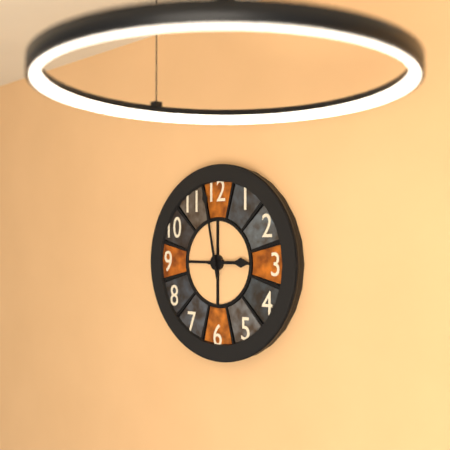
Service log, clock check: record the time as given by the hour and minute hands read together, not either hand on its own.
2:58
